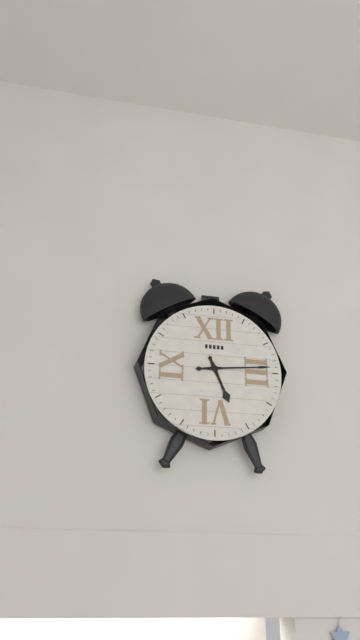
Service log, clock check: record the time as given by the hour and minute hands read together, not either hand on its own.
5:14
